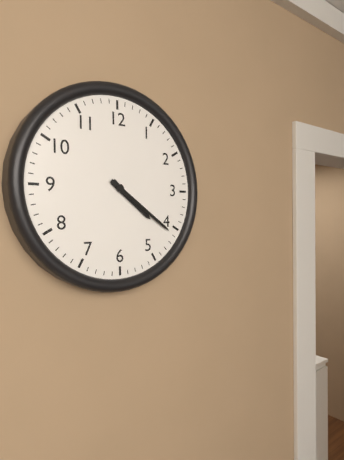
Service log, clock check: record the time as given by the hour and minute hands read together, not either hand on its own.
4:21
